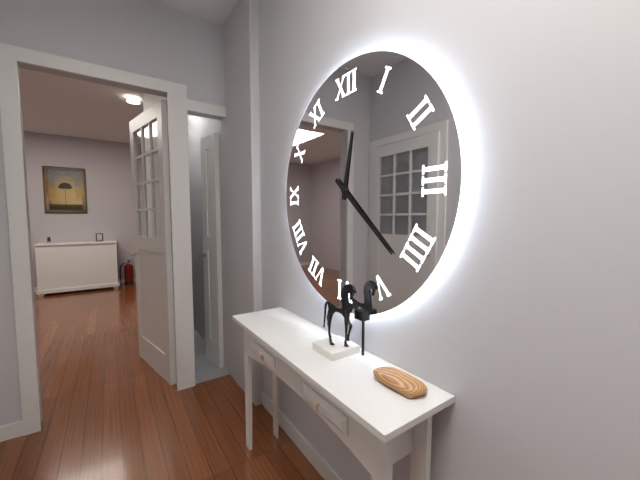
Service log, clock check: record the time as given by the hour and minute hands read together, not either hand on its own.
12:22
